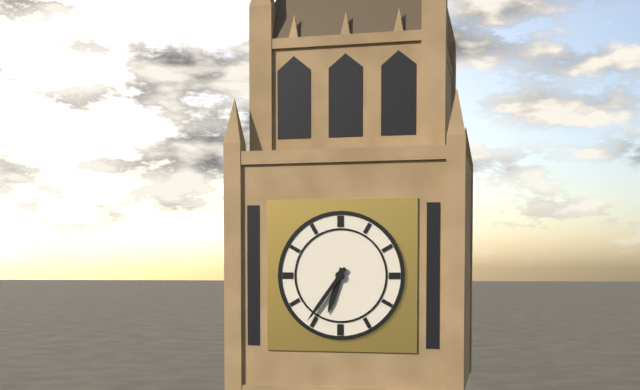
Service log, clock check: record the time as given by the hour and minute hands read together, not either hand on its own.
6:36
